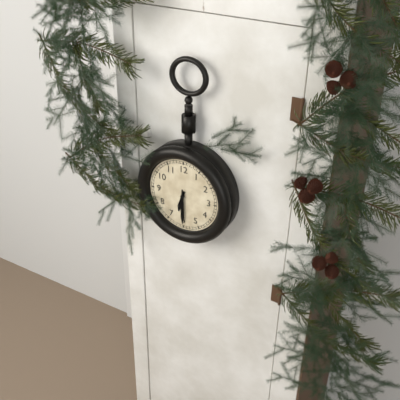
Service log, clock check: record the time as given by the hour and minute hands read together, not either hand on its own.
6:30
